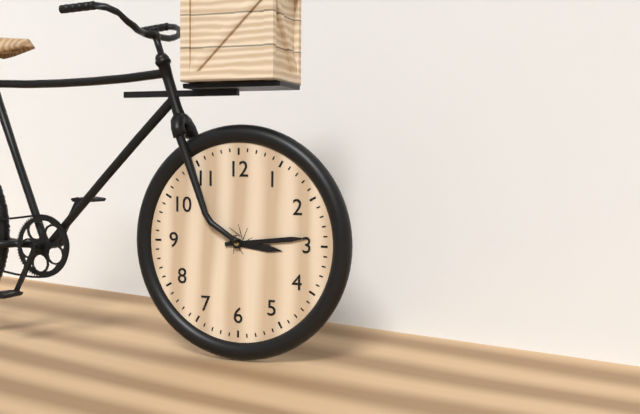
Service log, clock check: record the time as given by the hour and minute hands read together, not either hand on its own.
3:14
